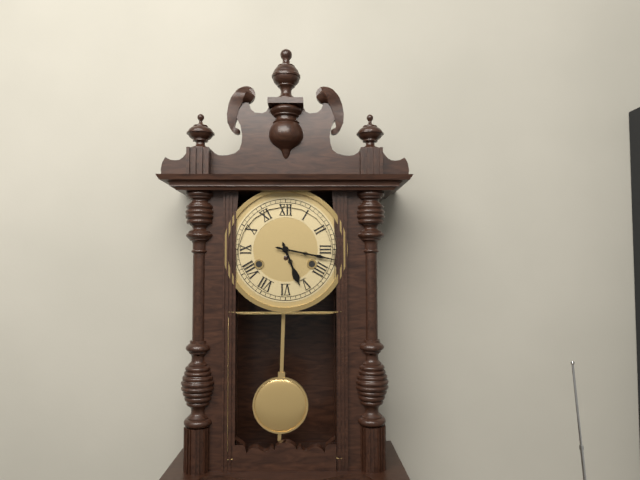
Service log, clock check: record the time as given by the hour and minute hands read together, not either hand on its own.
5:17
